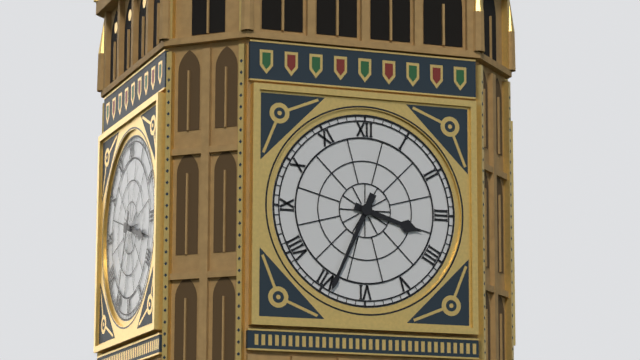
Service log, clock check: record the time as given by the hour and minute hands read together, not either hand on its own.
3:34
